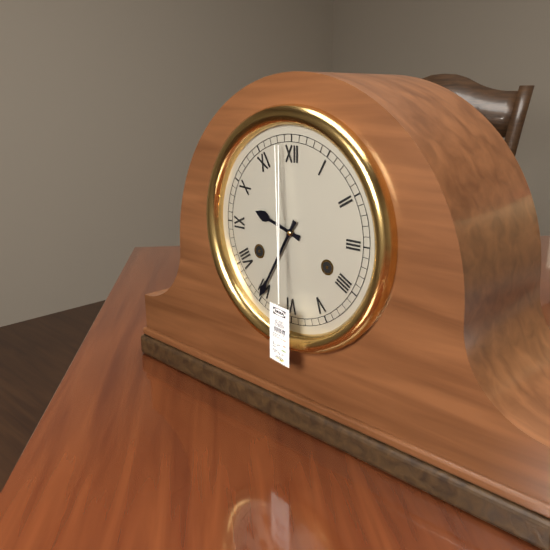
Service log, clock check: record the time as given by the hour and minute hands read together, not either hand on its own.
9:35
